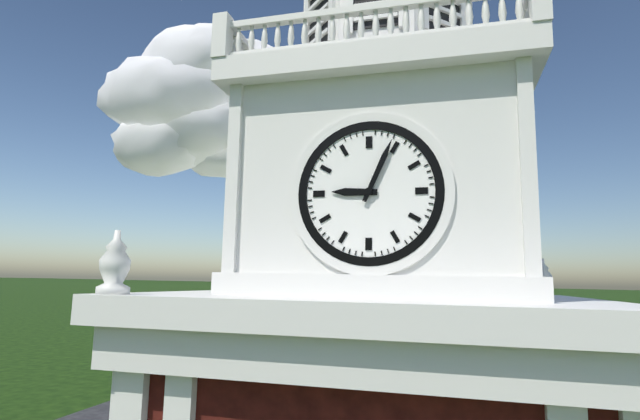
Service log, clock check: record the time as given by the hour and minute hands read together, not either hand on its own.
9:04
